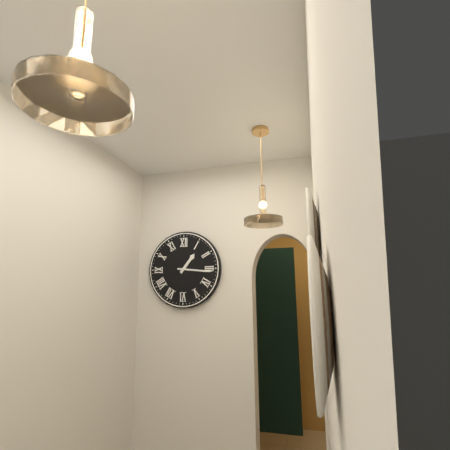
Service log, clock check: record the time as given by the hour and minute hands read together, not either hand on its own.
1:16
